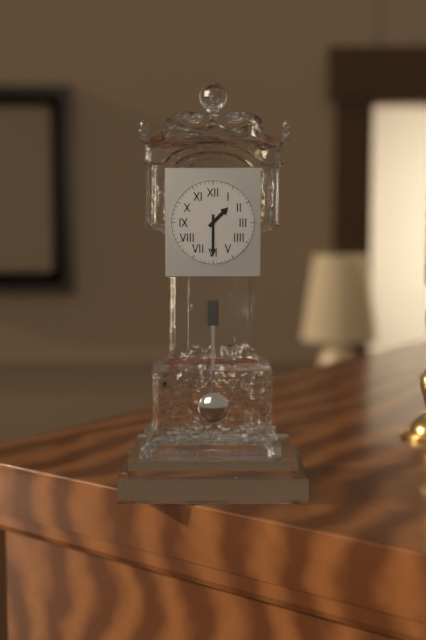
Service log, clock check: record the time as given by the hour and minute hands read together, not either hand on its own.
1:30
